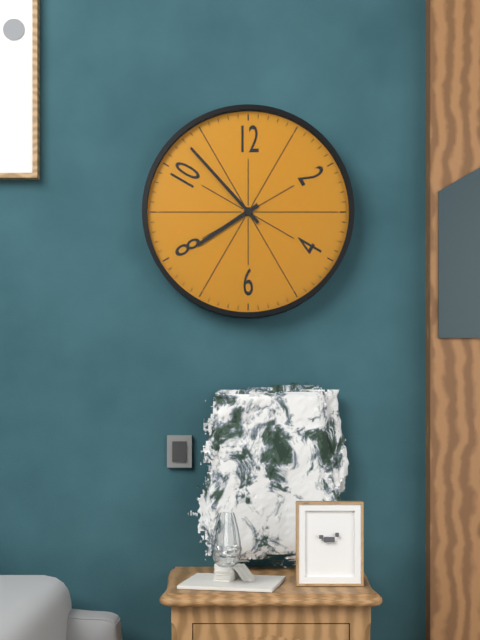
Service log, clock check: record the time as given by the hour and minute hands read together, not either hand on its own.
7:53
